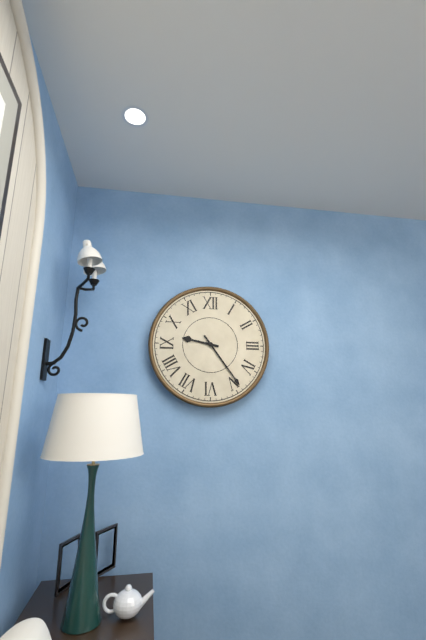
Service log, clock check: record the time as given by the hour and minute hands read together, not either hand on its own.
9:24
